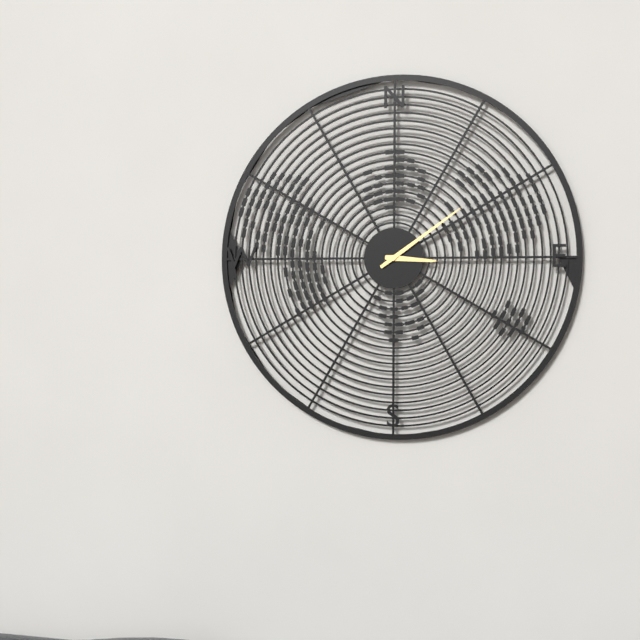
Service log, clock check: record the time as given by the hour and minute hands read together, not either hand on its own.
3:09
